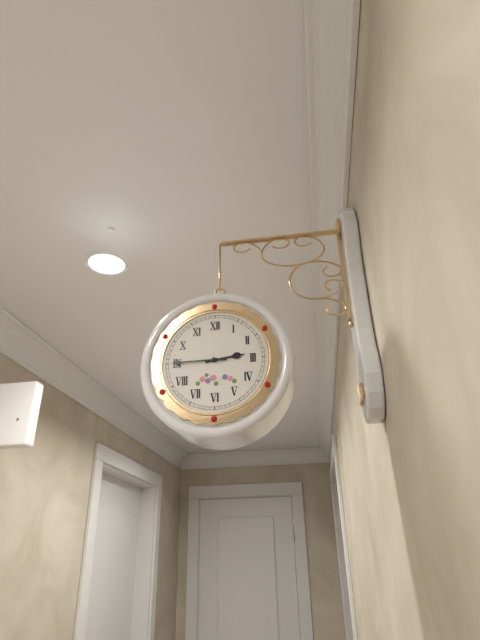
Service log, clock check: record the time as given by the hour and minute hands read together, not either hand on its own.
2:45
